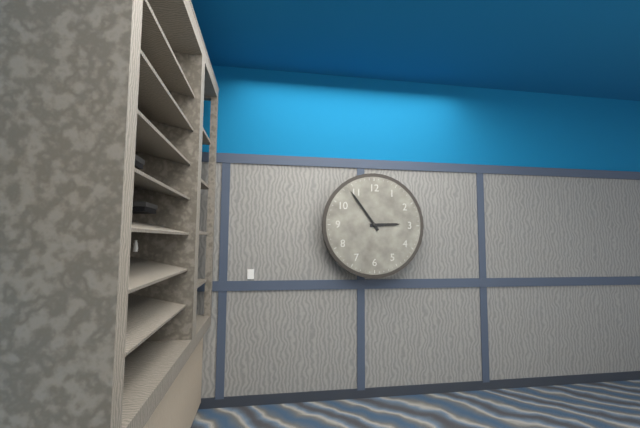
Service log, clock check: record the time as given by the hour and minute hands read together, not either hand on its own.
2:54
